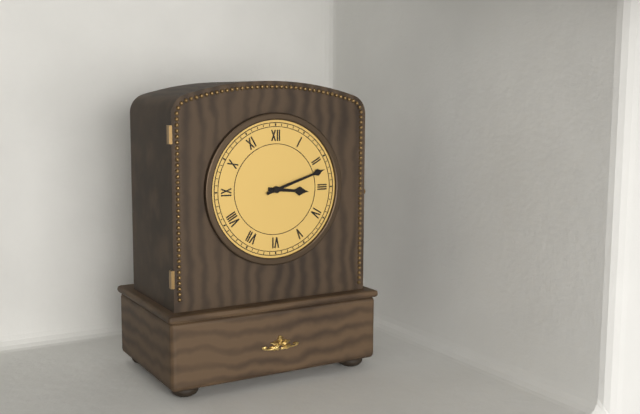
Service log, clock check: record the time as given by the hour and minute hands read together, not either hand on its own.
3:12
